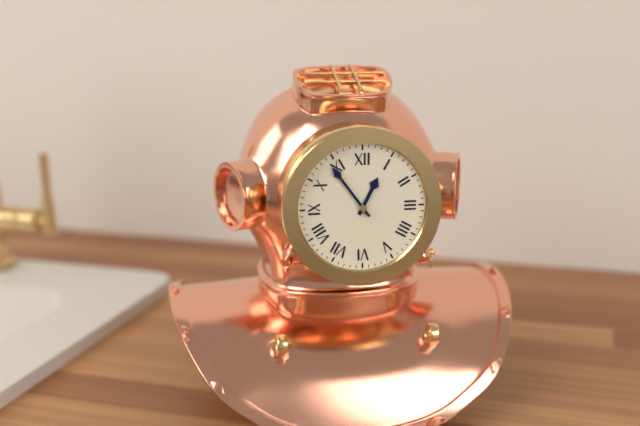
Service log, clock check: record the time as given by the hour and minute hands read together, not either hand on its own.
12:54
